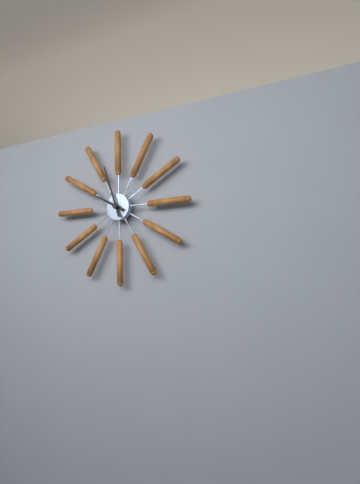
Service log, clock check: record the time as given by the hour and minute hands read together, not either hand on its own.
9:57
